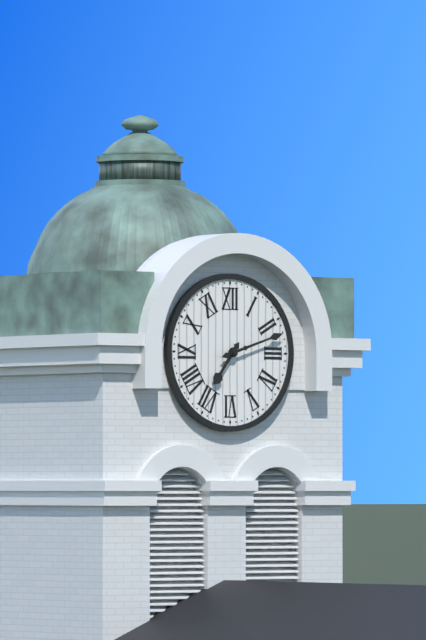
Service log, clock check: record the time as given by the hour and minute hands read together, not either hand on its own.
7:12
